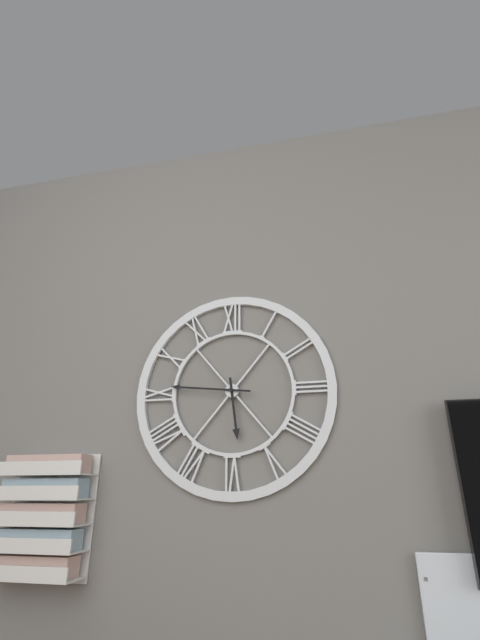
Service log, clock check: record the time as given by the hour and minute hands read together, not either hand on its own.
5:46
